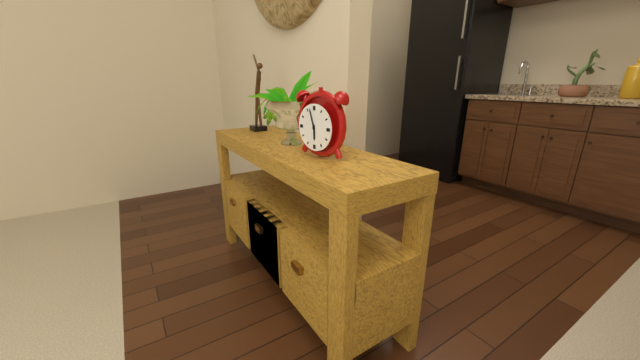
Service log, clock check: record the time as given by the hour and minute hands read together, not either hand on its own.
5:57
